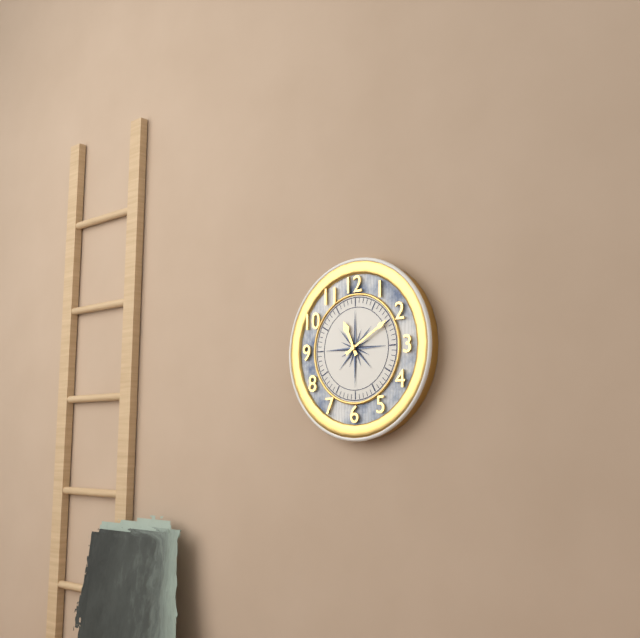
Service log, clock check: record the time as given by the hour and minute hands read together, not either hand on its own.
11:10
